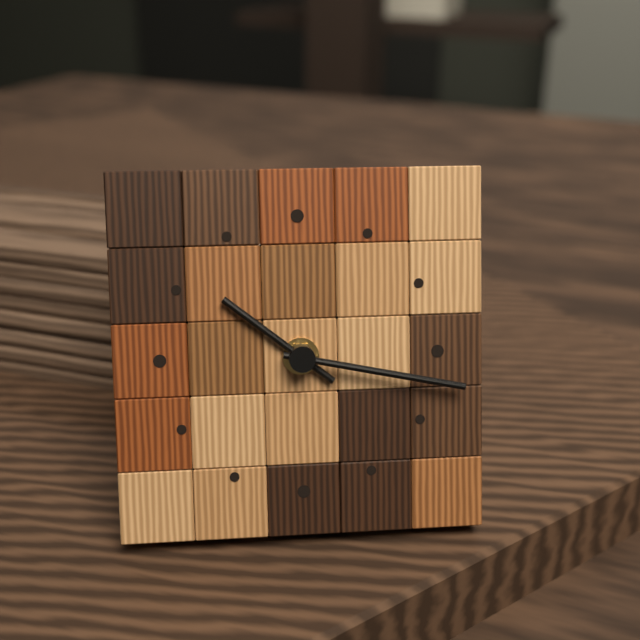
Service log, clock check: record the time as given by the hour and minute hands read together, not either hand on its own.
10:17
